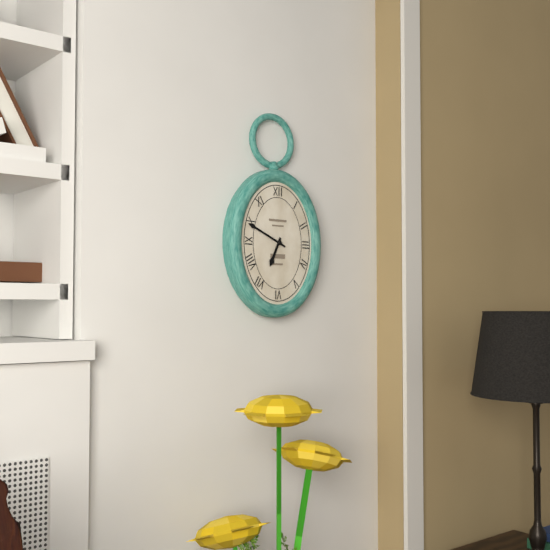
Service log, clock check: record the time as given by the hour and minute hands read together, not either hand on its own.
6:49
